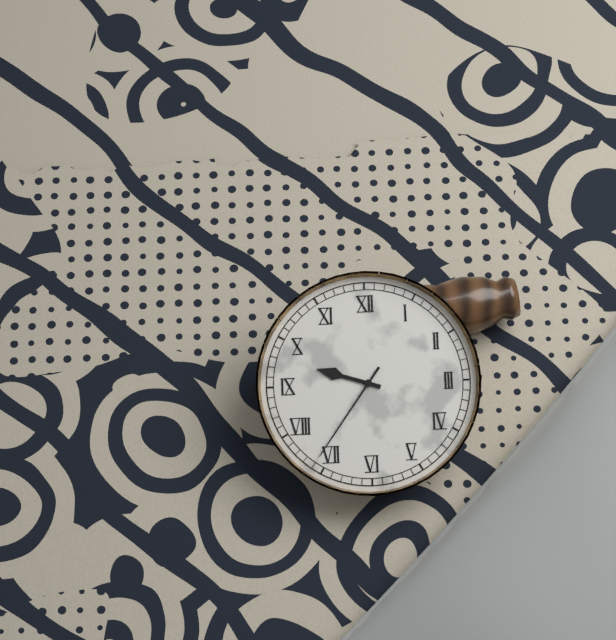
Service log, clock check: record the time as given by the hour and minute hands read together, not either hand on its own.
9:36
